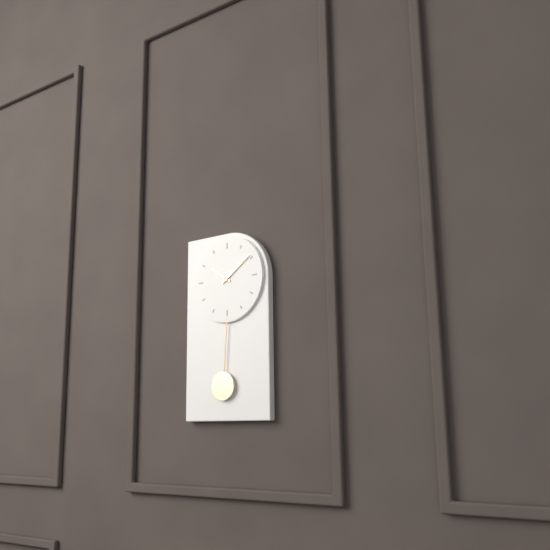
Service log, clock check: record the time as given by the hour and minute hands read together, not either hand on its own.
10:09
